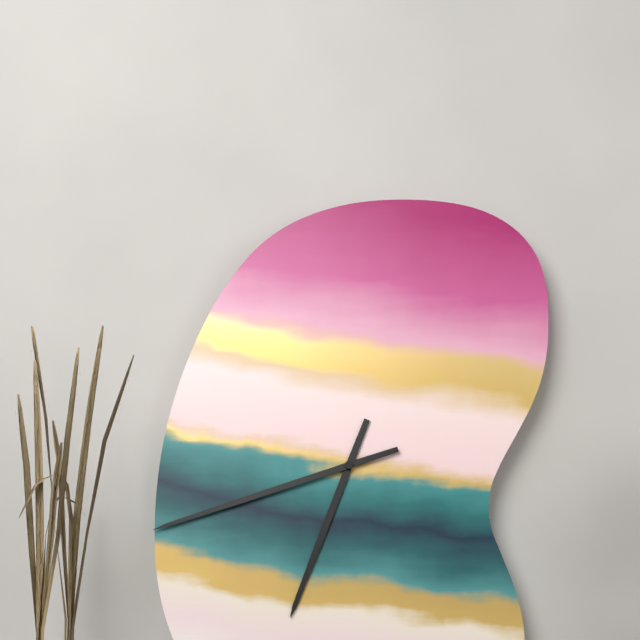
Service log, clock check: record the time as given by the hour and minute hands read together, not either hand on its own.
6:42
